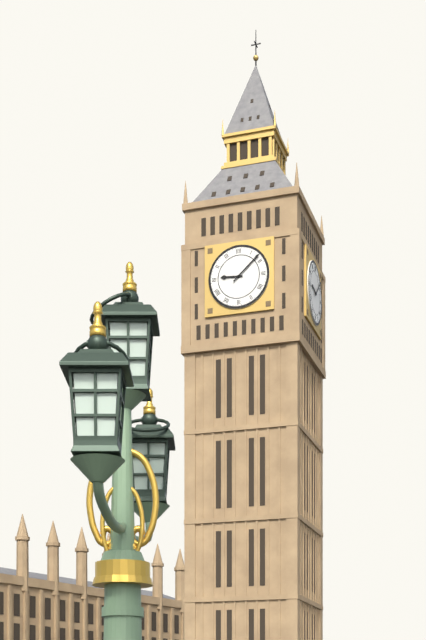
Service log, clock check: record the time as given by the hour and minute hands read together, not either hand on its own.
9:08
